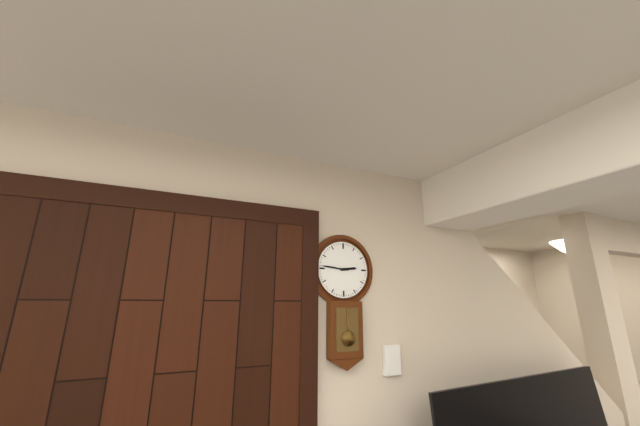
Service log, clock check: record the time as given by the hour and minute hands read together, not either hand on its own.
2:46
